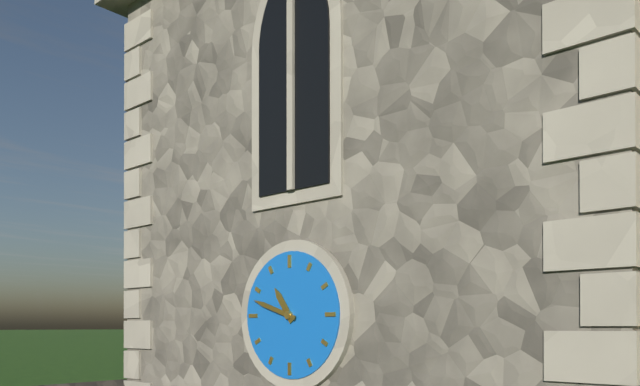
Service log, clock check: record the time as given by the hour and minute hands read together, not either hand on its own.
10:48
